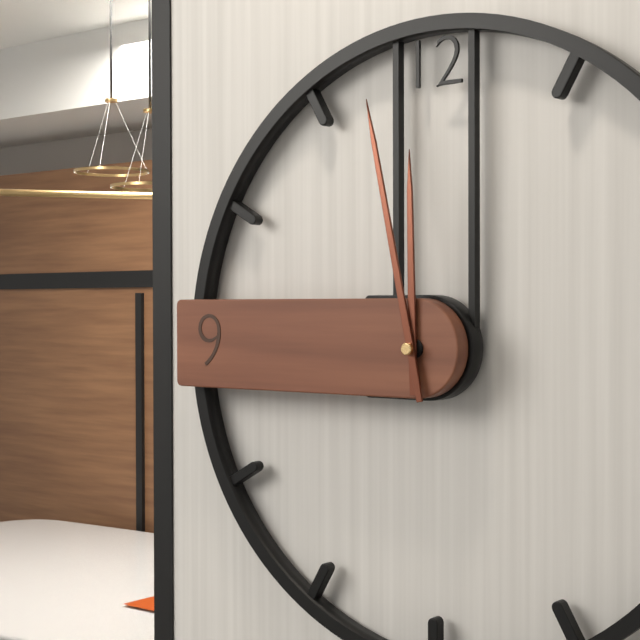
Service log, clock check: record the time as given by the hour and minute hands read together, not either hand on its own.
11:58
